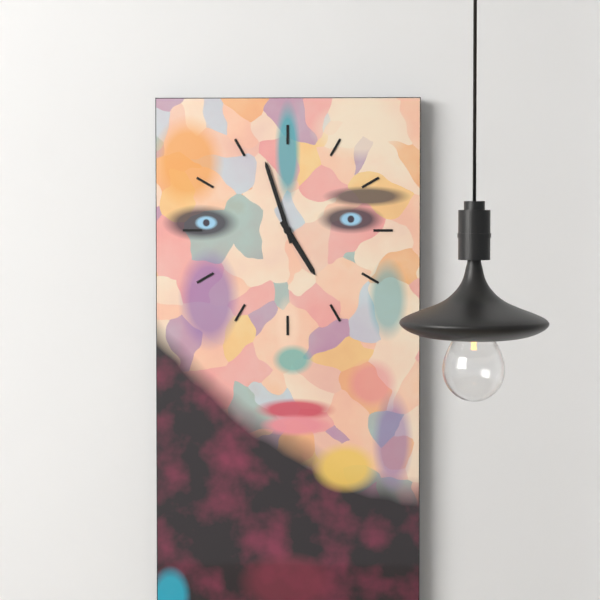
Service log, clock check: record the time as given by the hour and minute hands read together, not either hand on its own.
4:57
